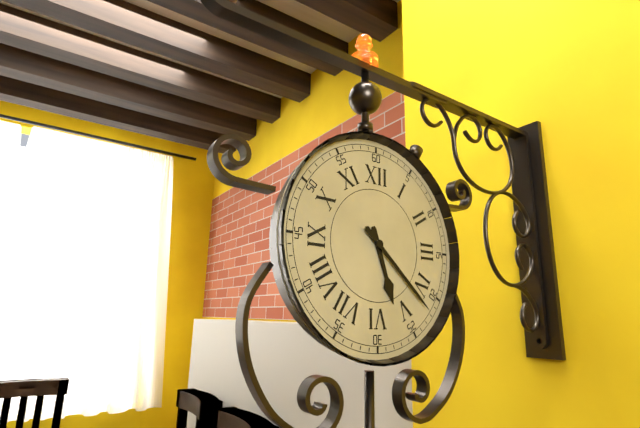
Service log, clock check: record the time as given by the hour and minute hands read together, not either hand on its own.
5:22
